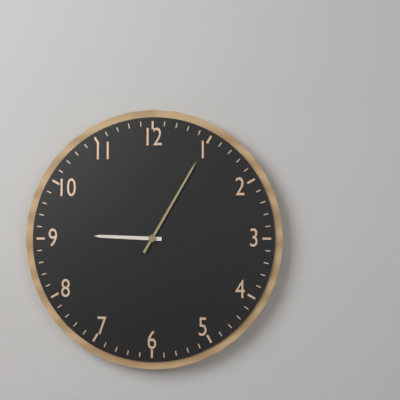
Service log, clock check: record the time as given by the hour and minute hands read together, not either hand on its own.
9:05
